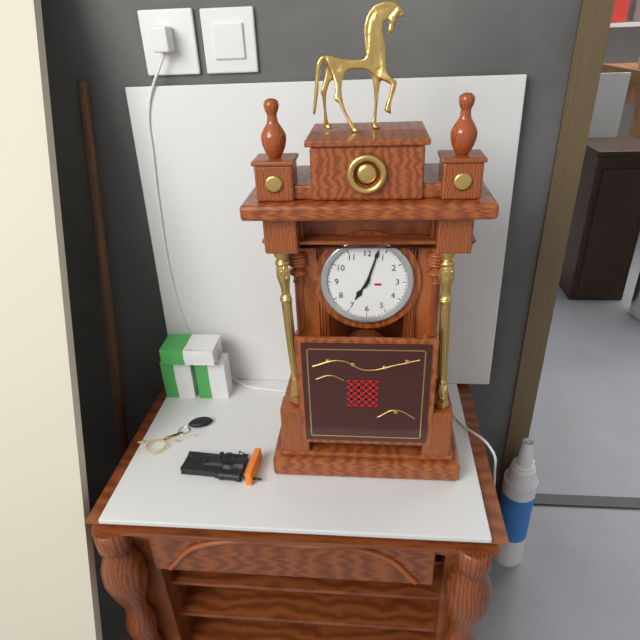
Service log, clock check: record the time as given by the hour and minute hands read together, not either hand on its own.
7:03
